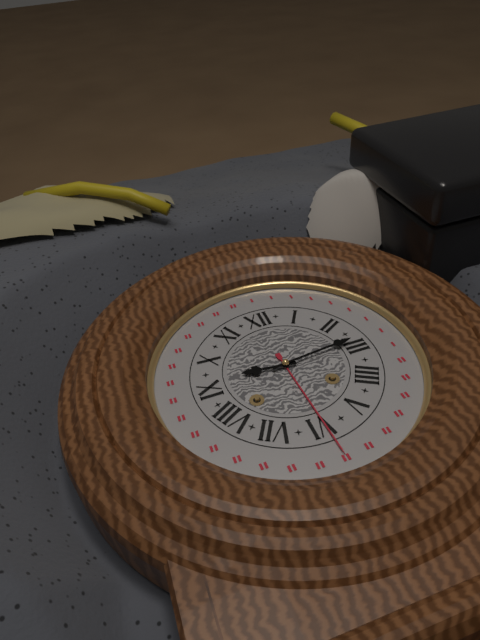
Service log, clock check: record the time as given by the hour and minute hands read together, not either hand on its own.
9:14
